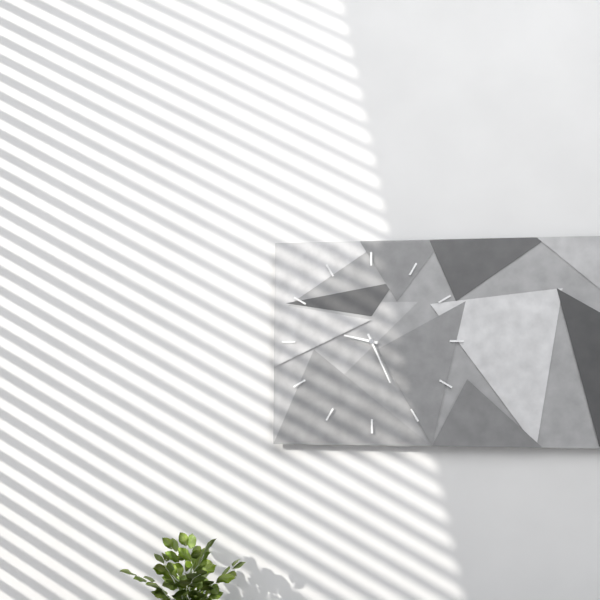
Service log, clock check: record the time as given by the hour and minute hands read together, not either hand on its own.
9:26
